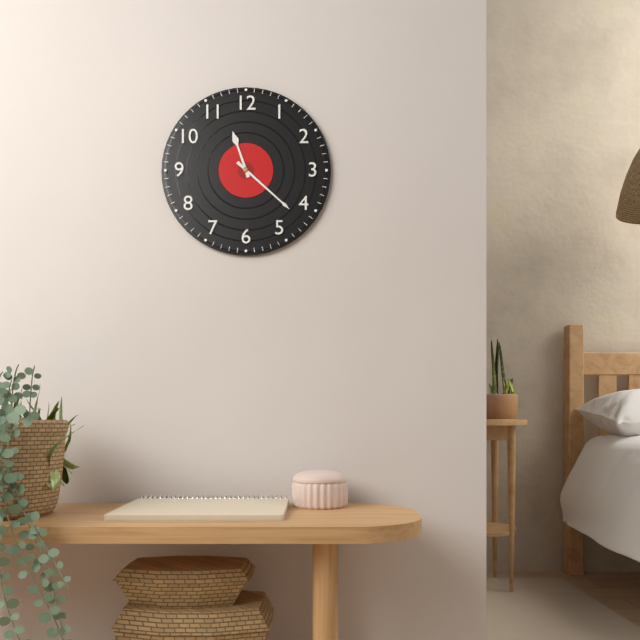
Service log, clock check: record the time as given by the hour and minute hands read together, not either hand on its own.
11:22
